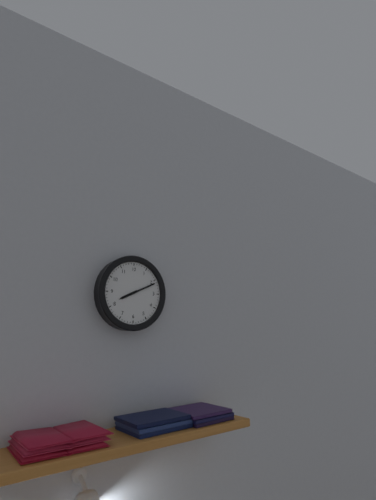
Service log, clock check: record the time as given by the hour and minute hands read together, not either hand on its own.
8:11
